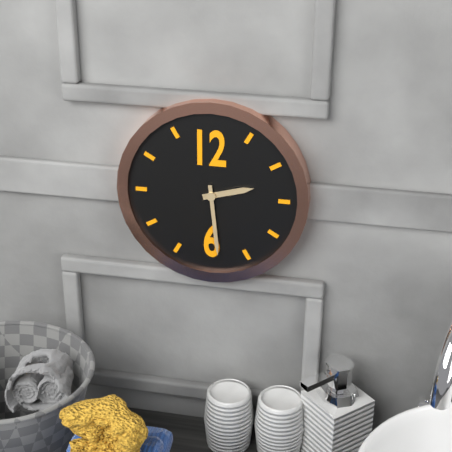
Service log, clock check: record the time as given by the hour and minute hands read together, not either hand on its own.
2:29
